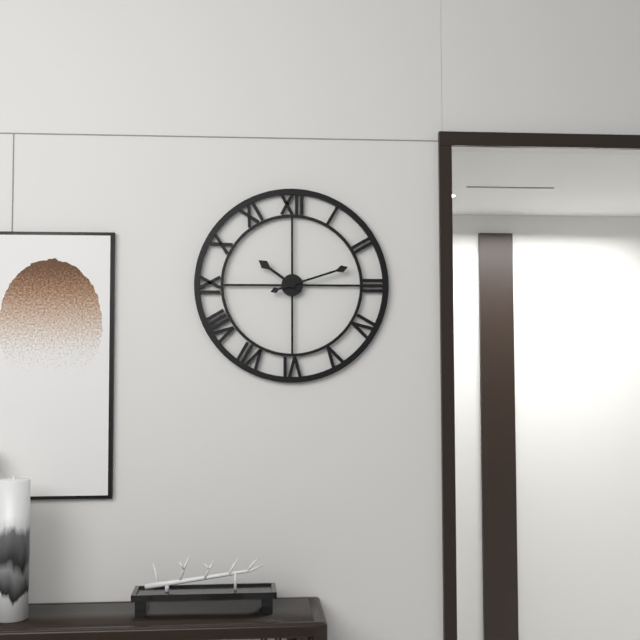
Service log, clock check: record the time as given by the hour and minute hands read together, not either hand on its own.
10:12
